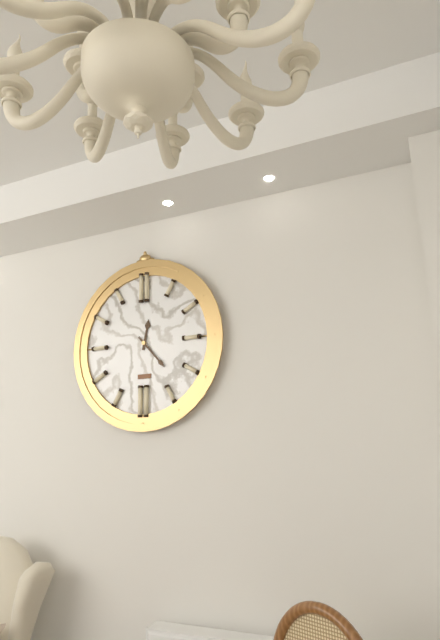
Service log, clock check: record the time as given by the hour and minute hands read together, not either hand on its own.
12:23
